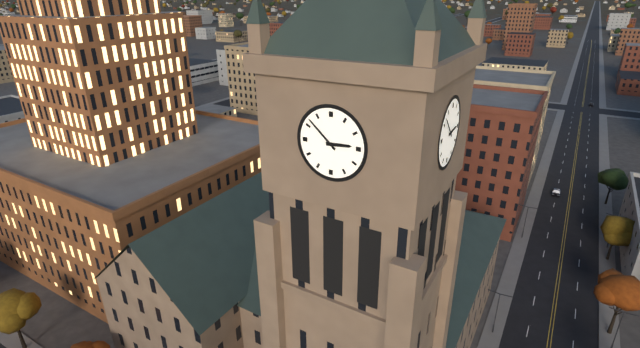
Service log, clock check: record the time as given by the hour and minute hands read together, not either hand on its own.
2:52
